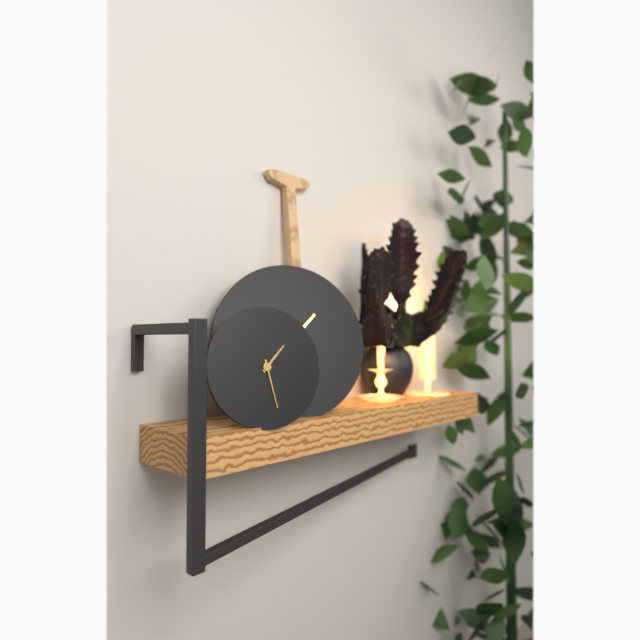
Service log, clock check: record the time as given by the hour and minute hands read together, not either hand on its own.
1:28
